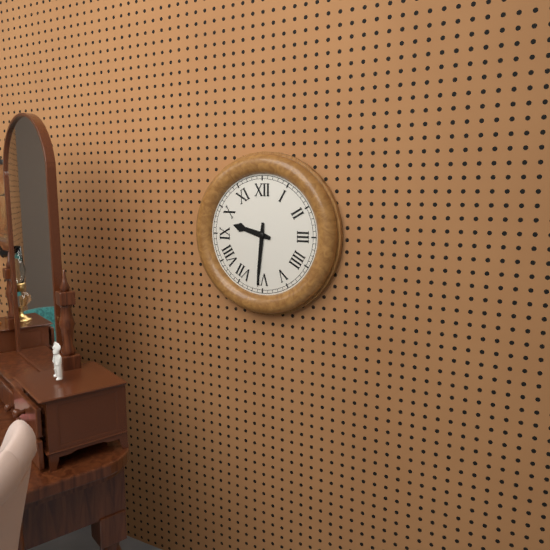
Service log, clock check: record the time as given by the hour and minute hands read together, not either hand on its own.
9:31
